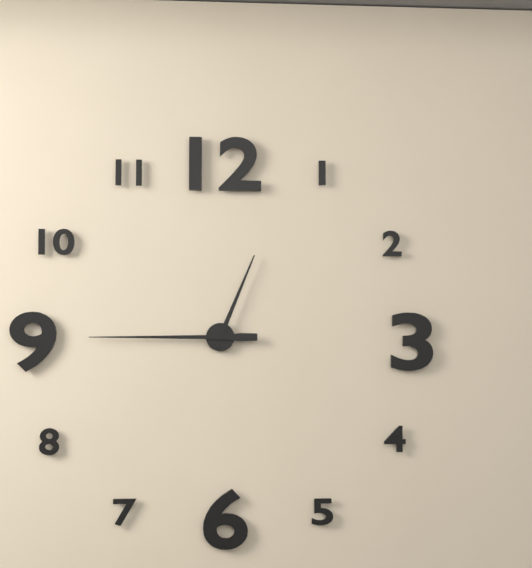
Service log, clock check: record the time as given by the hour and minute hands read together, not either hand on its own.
12:45
